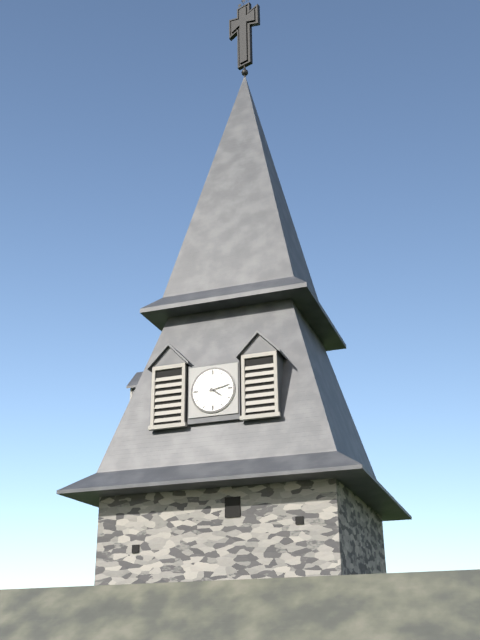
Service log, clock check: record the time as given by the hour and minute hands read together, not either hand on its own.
4:13
